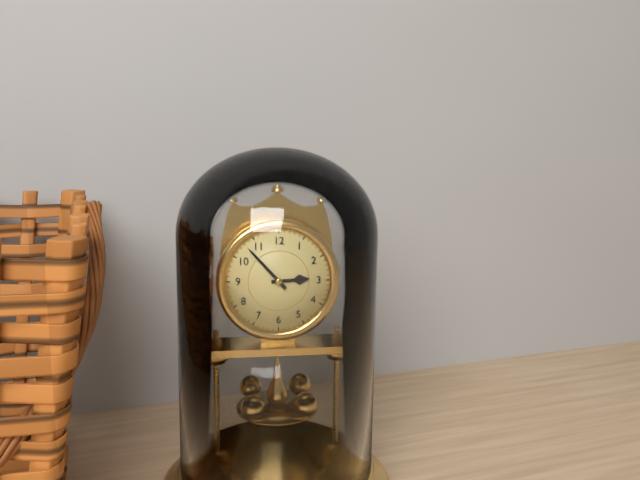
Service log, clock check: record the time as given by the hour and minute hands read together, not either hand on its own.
2:53
